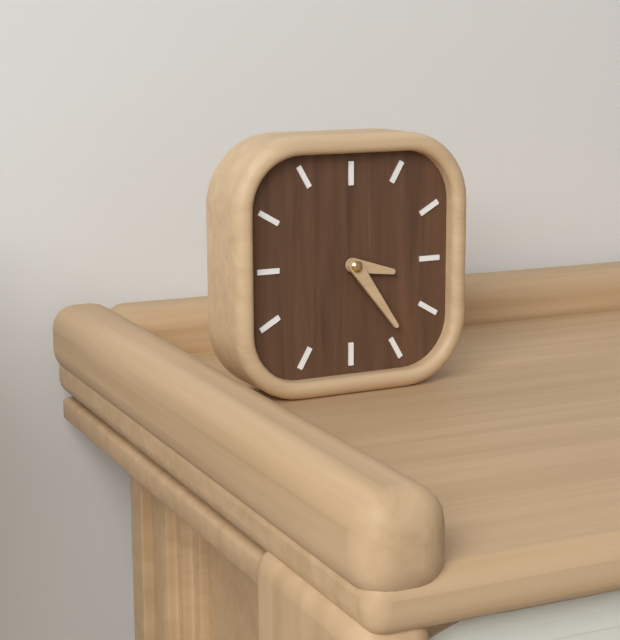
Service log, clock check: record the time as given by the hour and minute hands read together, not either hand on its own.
3:24
